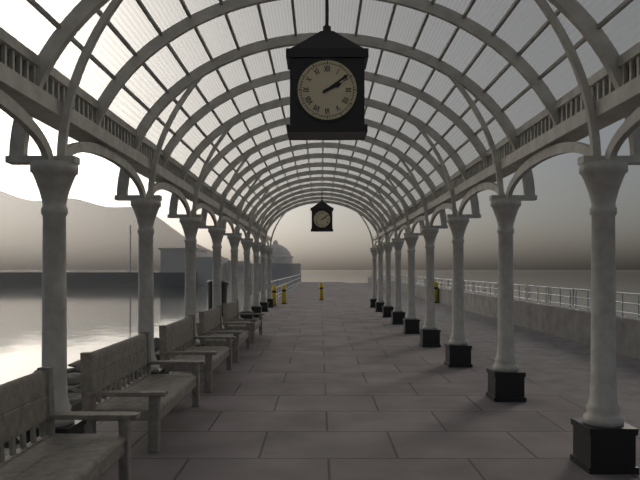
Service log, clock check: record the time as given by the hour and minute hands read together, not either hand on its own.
2:09
